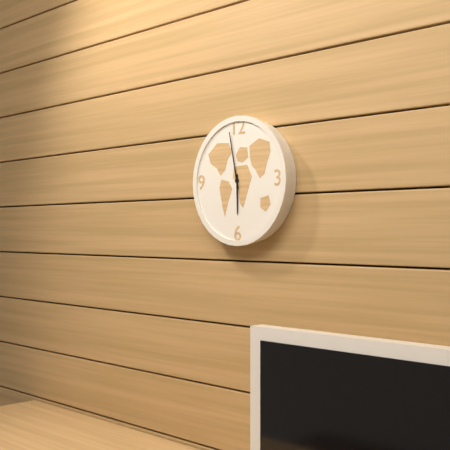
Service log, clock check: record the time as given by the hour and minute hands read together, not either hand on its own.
5:58
